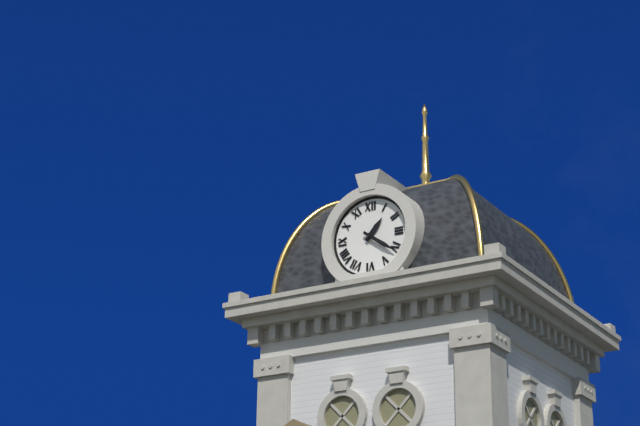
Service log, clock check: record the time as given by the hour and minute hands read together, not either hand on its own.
1:21
